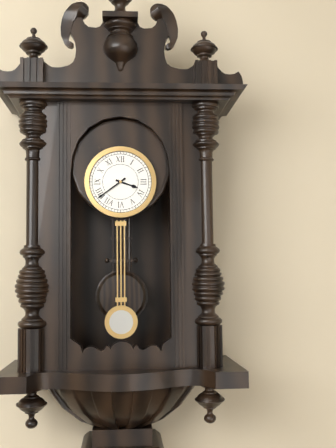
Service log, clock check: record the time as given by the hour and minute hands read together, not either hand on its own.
3:39
